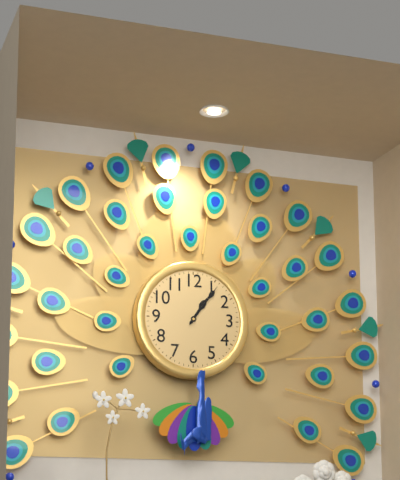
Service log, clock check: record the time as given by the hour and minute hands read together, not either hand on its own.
1:06
